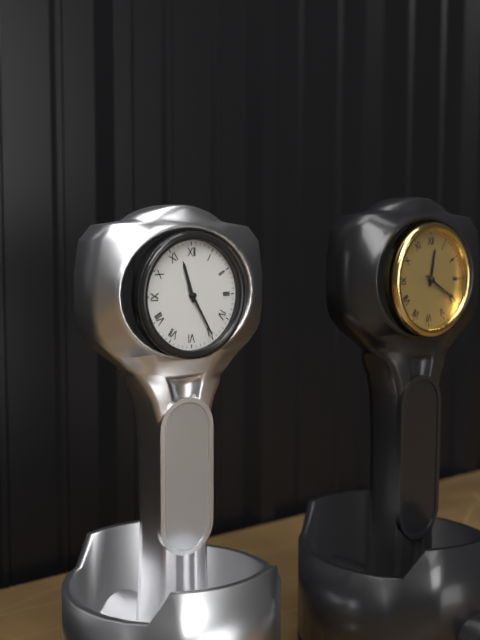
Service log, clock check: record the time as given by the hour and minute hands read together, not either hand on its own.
11:25
